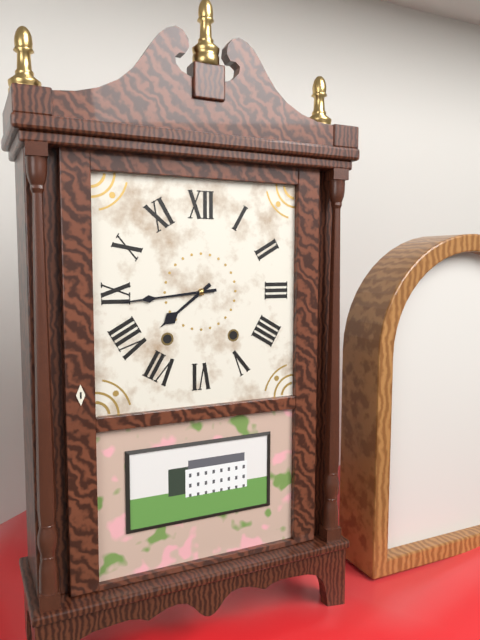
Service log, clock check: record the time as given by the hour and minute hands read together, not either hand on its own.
7:44
